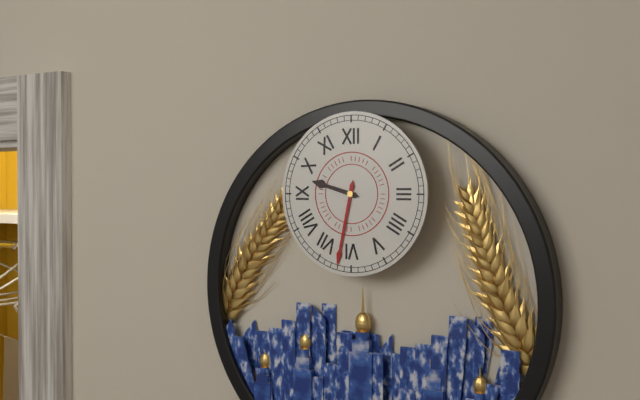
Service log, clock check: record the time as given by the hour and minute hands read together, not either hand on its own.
9:32
